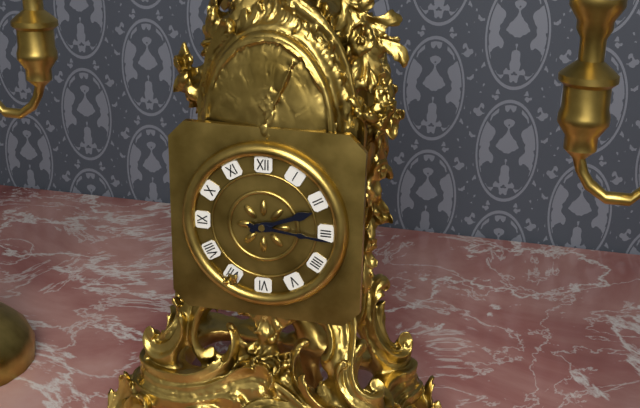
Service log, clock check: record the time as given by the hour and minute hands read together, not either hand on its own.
2:16
